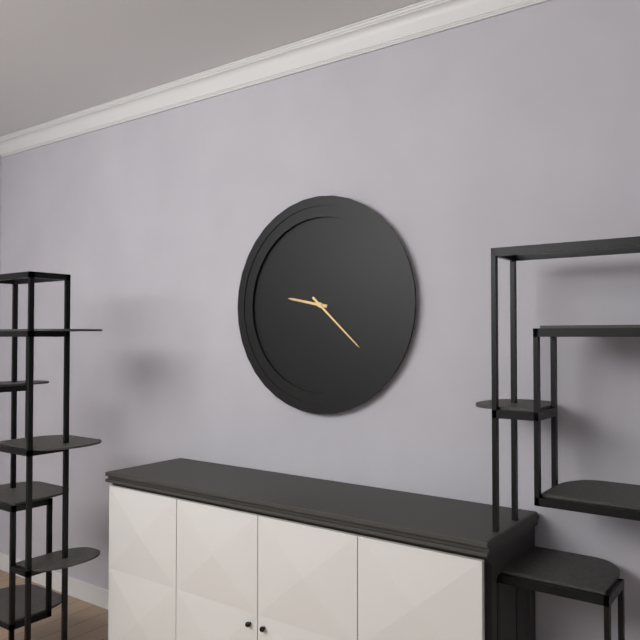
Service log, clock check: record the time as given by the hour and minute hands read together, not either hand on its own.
9:22
